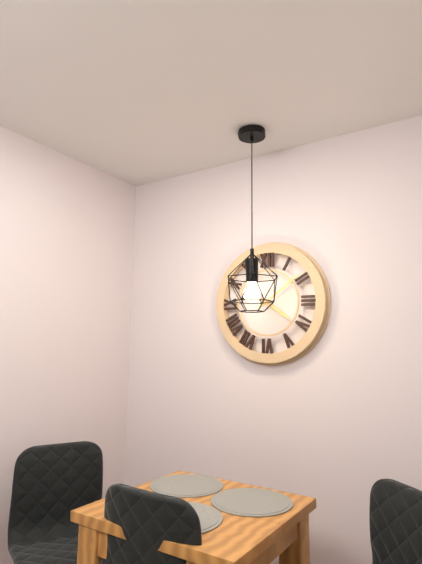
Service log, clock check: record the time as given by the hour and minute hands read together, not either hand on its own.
4:09
